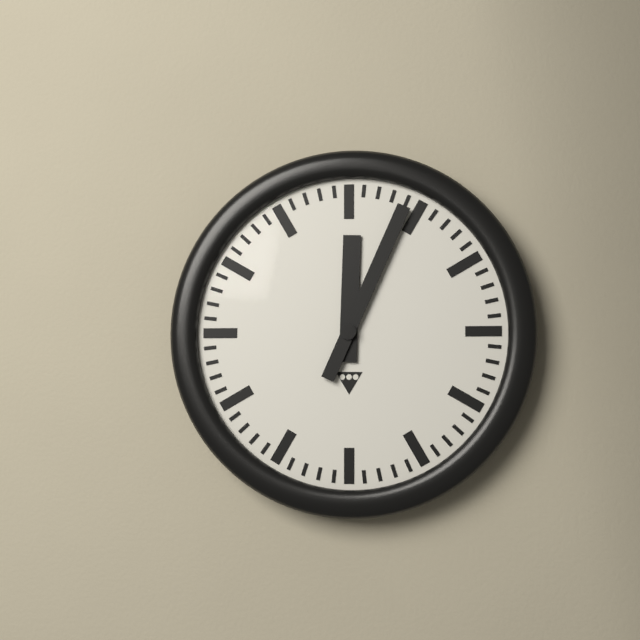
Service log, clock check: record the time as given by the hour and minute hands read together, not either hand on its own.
12:04
